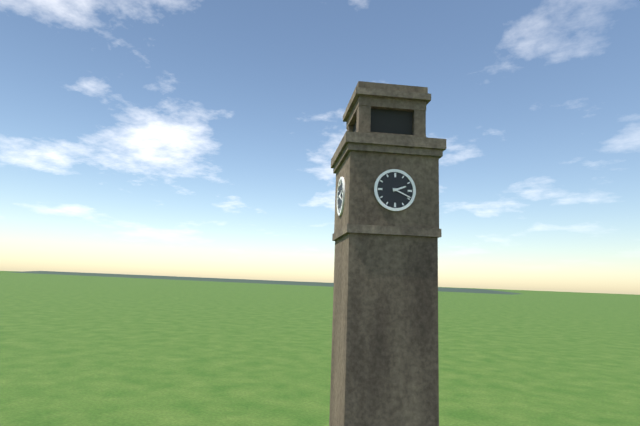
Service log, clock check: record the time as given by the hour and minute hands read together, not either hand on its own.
2:19
